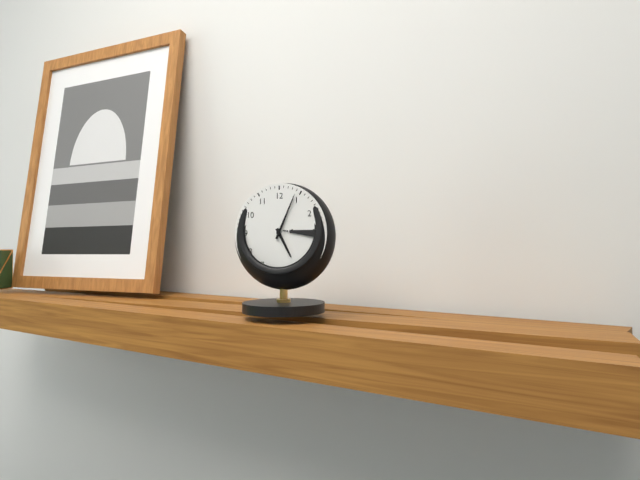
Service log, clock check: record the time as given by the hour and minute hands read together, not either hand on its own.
5:04
